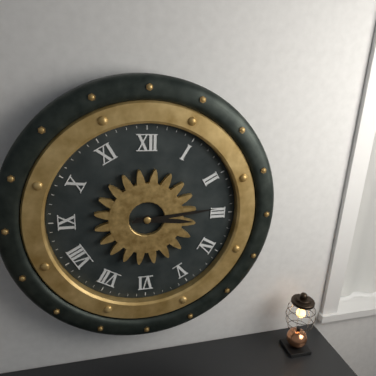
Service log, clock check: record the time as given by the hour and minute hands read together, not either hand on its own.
3:14
